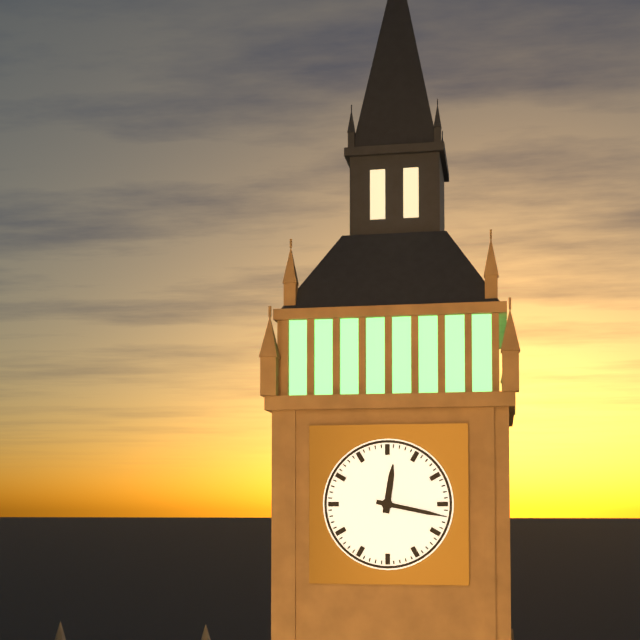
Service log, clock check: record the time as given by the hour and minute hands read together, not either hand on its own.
12:17
